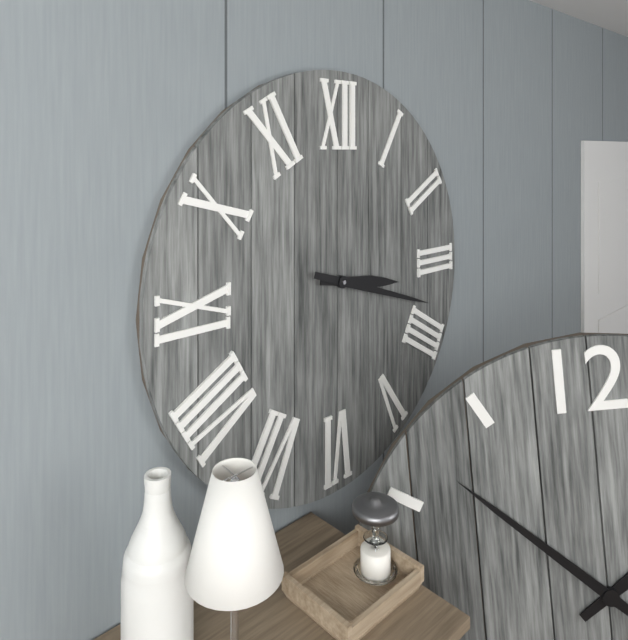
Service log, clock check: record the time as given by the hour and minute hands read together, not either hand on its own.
3:18
